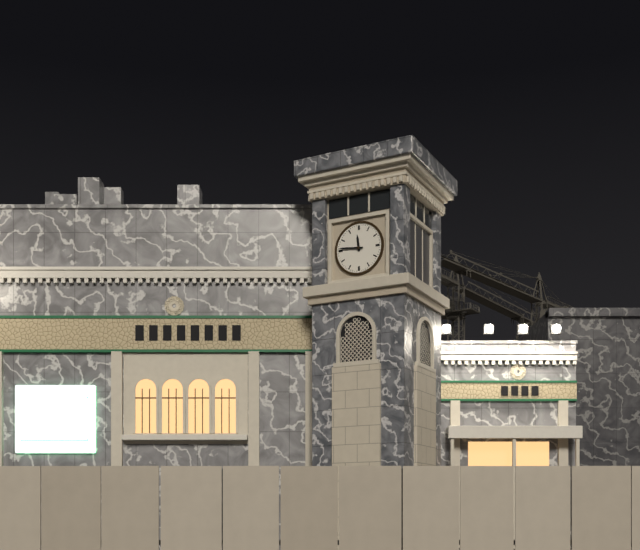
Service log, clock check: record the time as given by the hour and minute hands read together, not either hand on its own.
11:46
